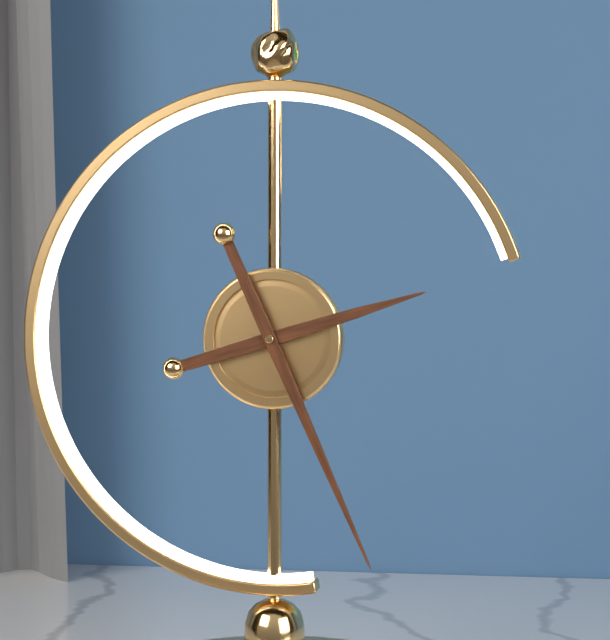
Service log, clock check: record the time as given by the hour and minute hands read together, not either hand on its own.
2:26
